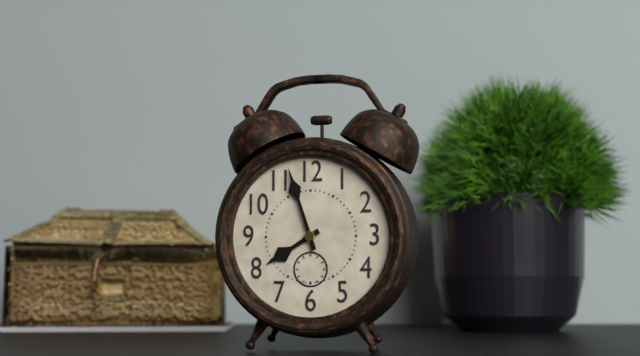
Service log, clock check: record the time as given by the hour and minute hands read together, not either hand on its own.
7:57
